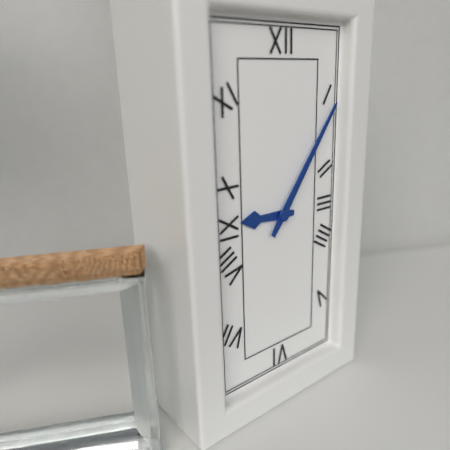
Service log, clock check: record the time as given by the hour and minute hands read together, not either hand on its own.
9:06
